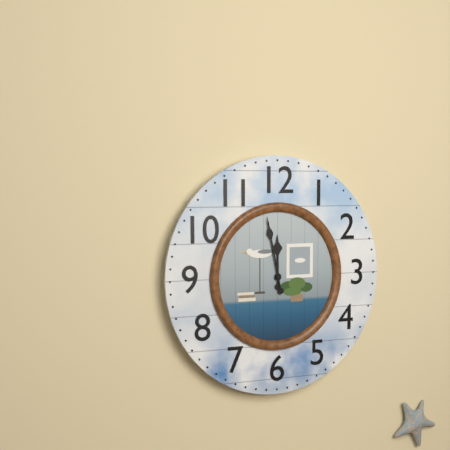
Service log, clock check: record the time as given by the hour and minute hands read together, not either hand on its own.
11:58
